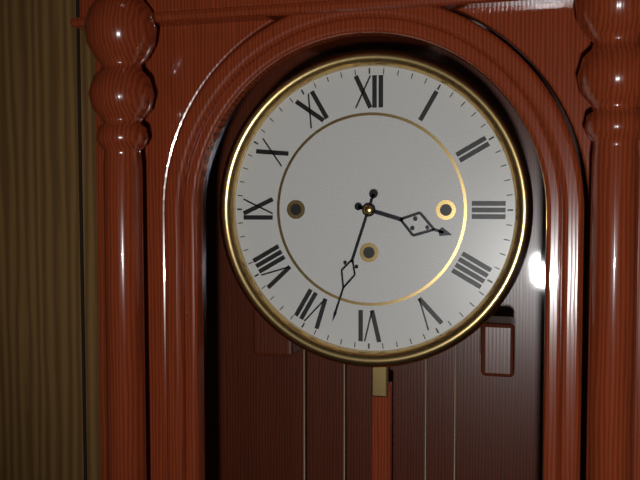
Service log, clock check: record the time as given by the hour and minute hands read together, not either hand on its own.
3:33
